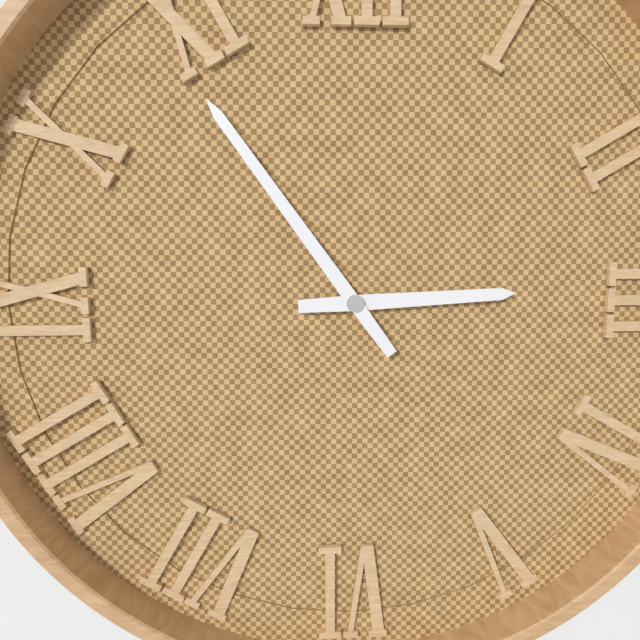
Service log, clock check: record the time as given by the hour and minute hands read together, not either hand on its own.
2:54
